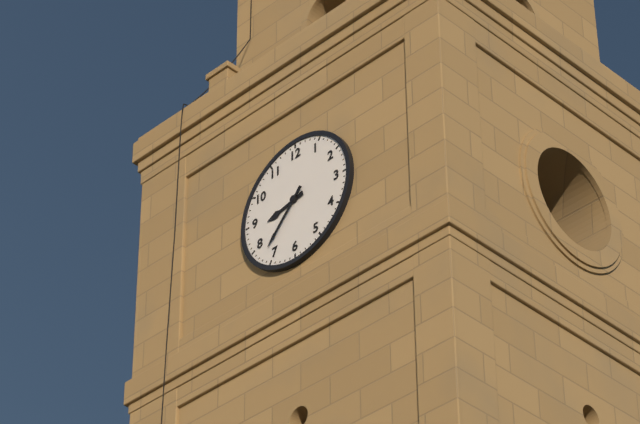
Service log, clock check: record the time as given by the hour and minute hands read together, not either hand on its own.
8:37
